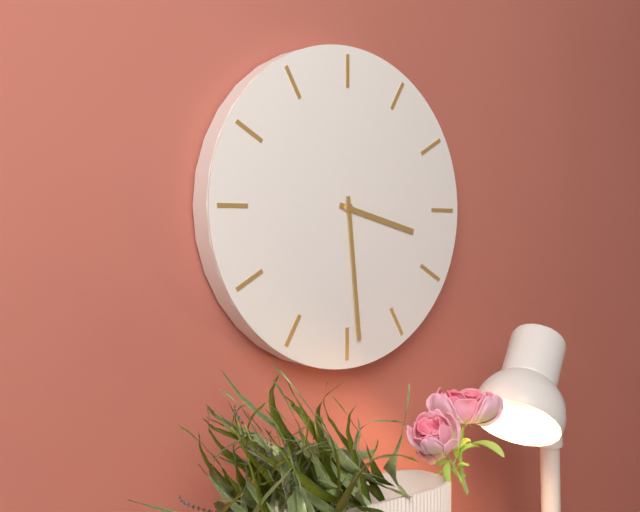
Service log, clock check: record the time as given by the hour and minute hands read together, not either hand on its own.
3:29
